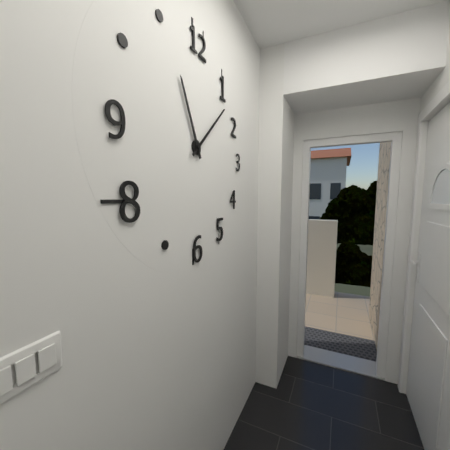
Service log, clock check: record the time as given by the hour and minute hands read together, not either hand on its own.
11:08
